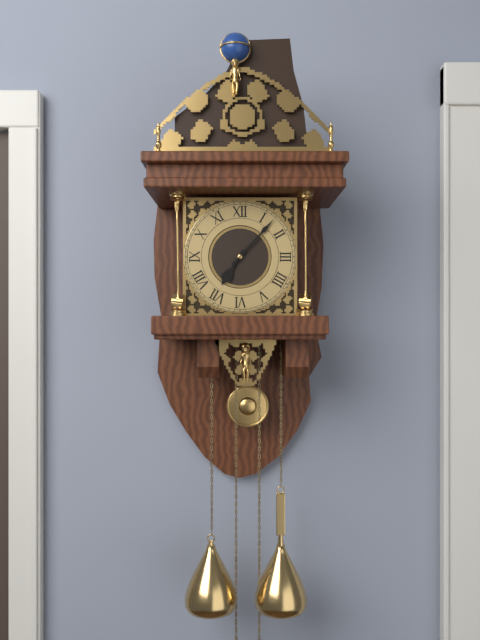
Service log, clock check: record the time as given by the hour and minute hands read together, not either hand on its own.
7:07
